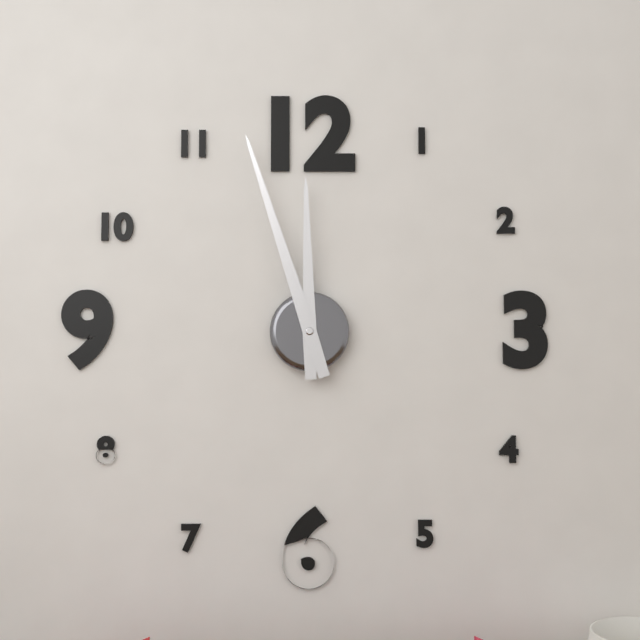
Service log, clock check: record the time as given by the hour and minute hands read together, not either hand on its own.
11:57
